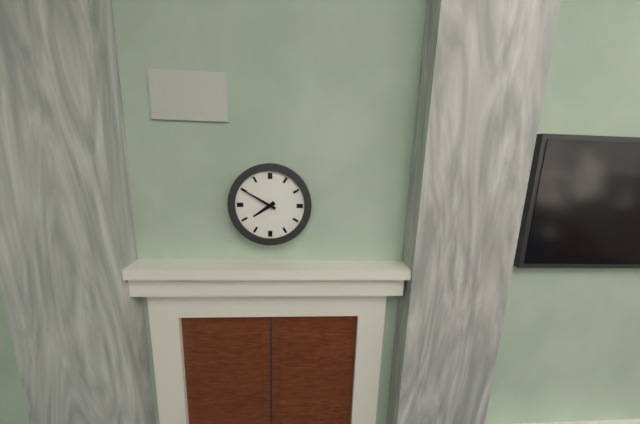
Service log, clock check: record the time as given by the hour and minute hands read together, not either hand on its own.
7:50
